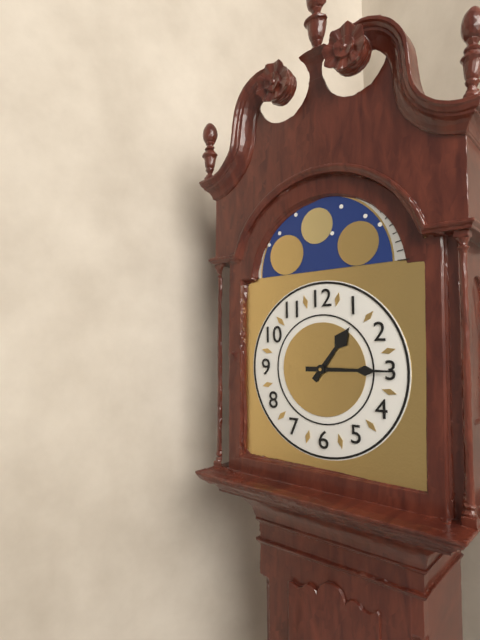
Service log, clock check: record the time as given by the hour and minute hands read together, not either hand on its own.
1:15
